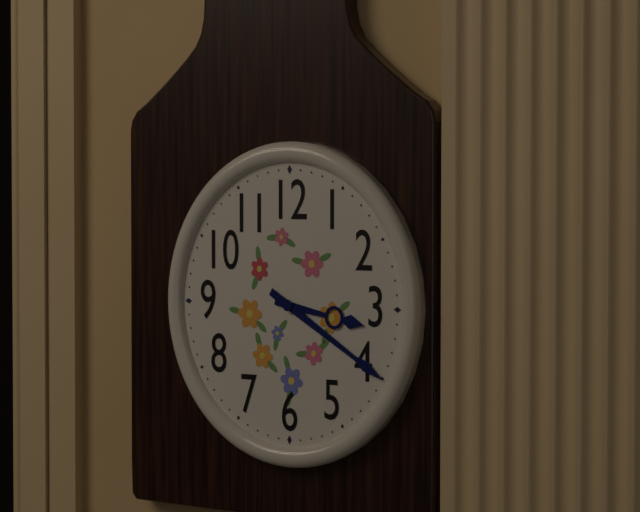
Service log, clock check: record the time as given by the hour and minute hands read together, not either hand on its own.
3:20
